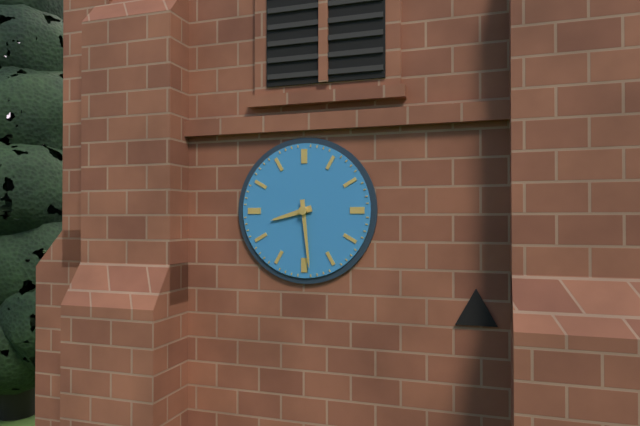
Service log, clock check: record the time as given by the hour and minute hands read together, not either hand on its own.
8:29
